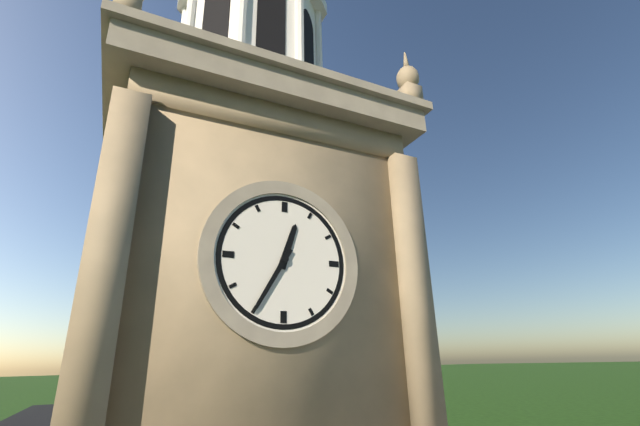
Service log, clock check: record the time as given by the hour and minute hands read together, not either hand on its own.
12:35
